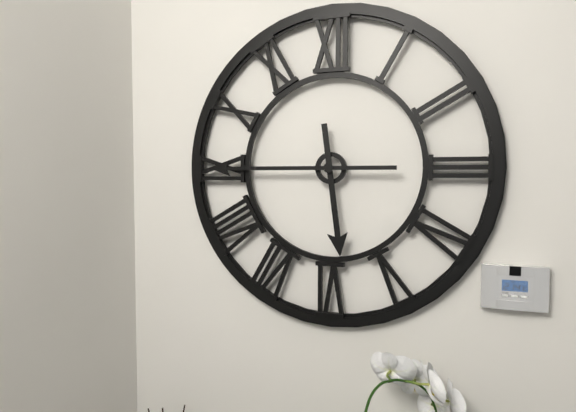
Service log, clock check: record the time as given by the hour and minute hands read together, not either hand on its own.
5:45
